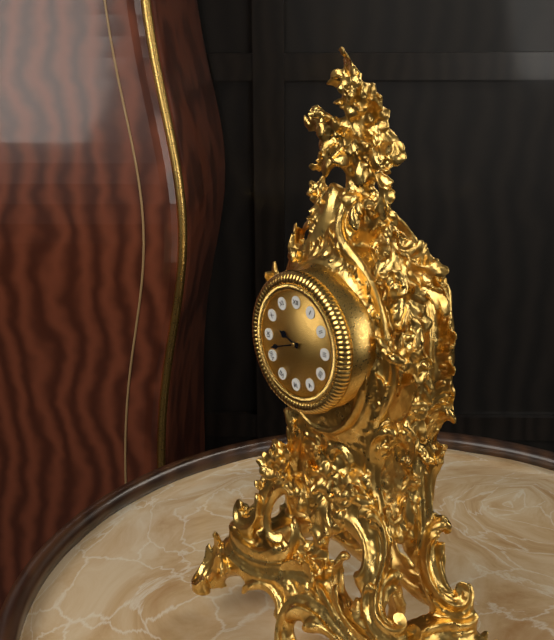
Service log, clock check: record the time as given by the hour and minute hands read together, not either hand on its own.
9:42
